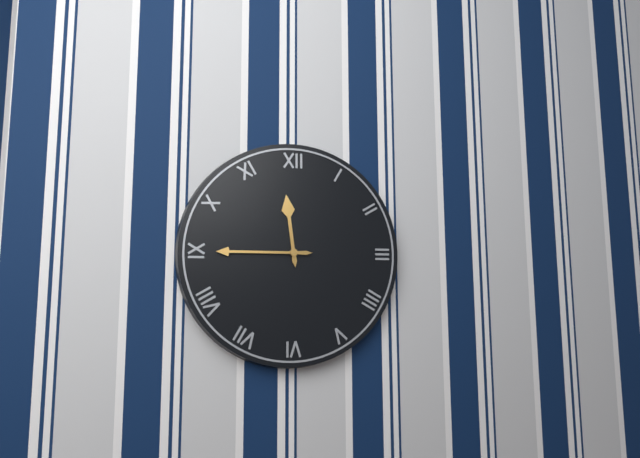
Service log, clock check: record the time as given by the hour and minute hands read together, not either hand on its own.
11:45
